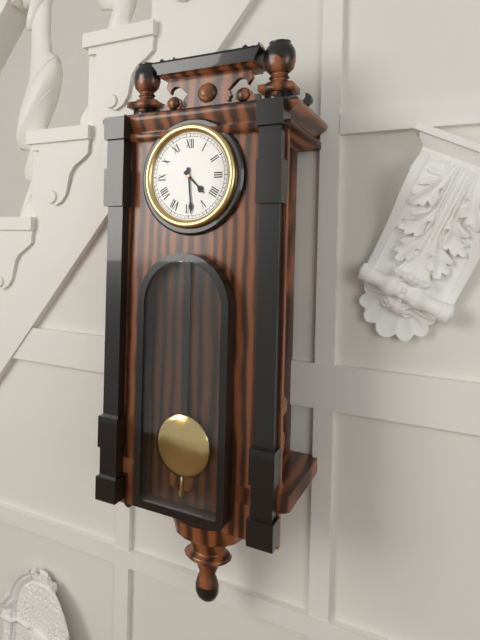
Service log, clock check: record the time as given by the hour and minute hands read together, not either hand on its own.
4:29
